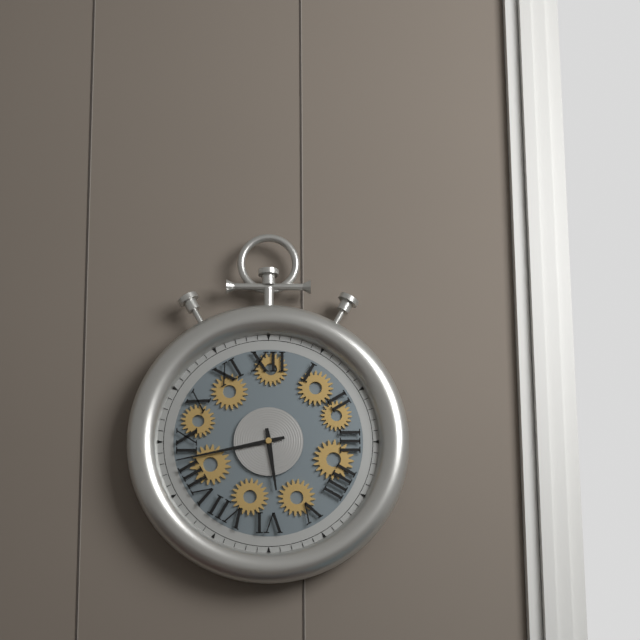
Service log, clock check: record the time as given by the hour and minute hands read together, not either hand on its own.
5:43
